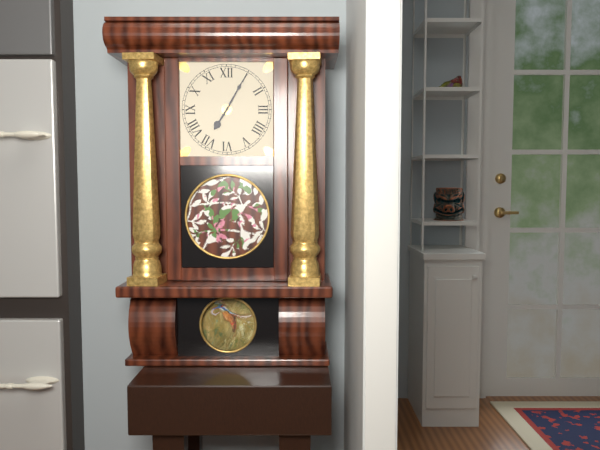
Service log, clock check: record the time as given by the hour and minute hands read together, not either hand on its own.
7:05
